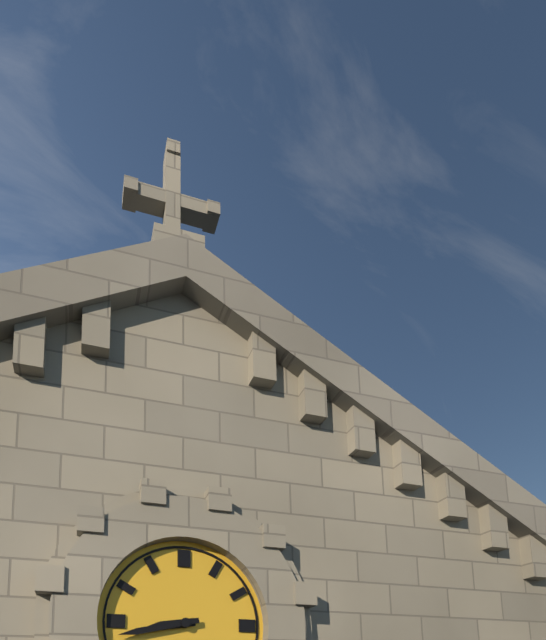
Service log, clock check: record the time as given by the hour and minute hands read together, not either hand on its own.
8:43
